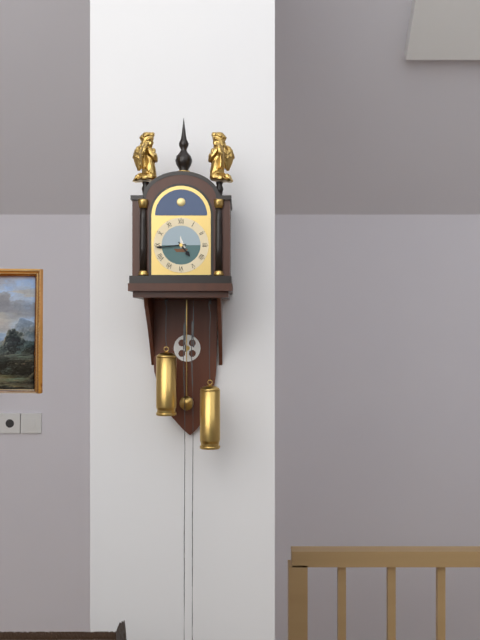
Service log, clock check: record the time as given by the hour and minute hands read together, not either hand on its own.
4:44
